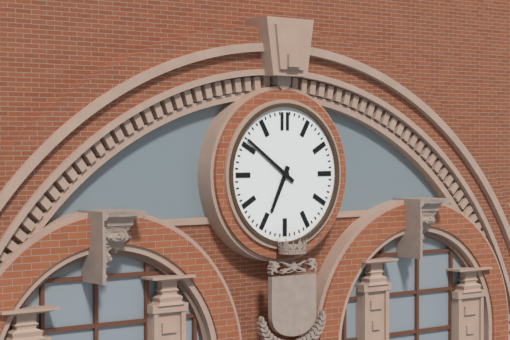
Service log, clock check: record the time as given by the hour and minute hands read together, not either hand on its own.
6:51
